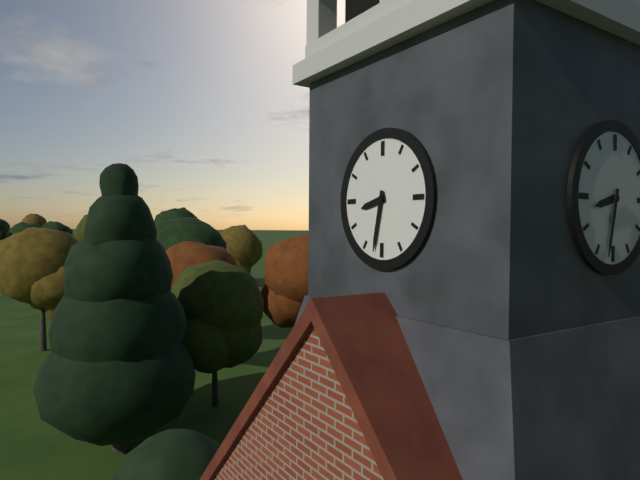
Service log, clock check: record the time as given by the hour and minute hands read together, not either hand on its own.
8:32
